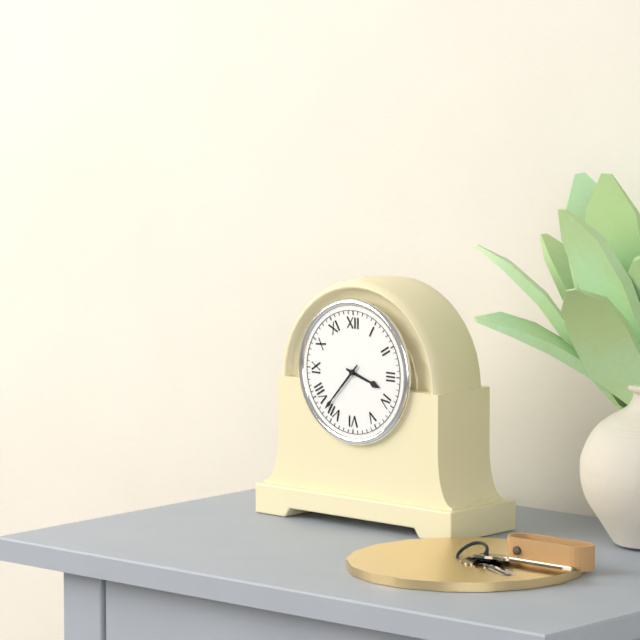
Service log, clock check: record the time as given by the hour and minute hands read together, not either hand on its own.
3:37
